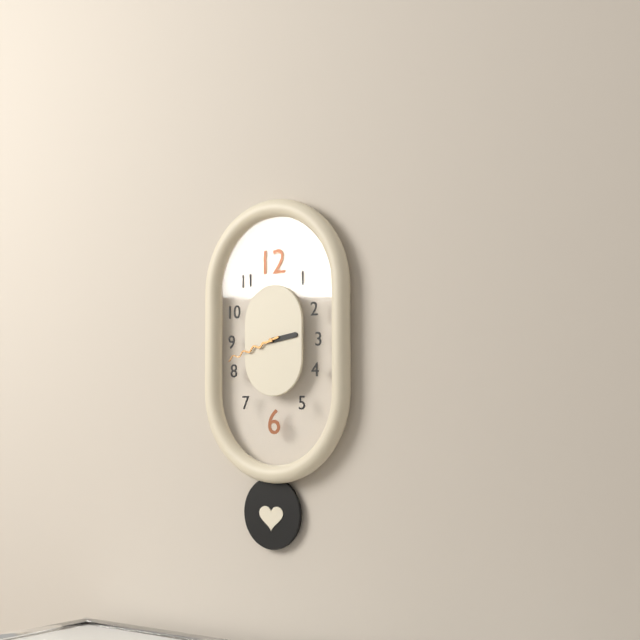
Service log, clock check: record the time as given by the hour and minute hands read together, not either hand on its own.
2:42
